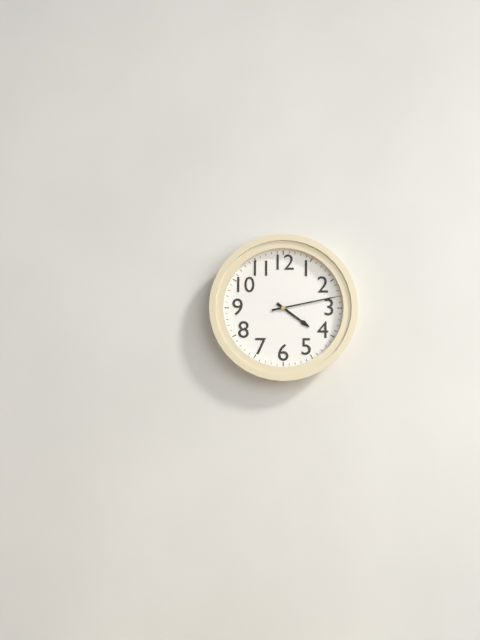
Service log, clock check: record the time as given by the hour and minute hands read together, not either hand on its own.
4:13
